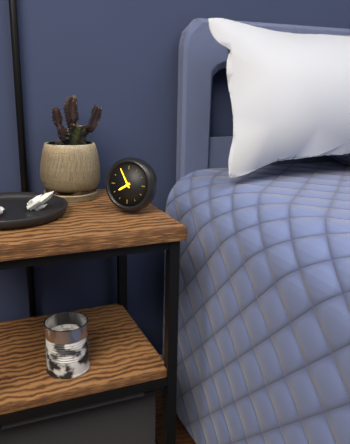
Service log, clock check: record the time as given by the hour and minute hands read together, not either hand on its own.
7:55
